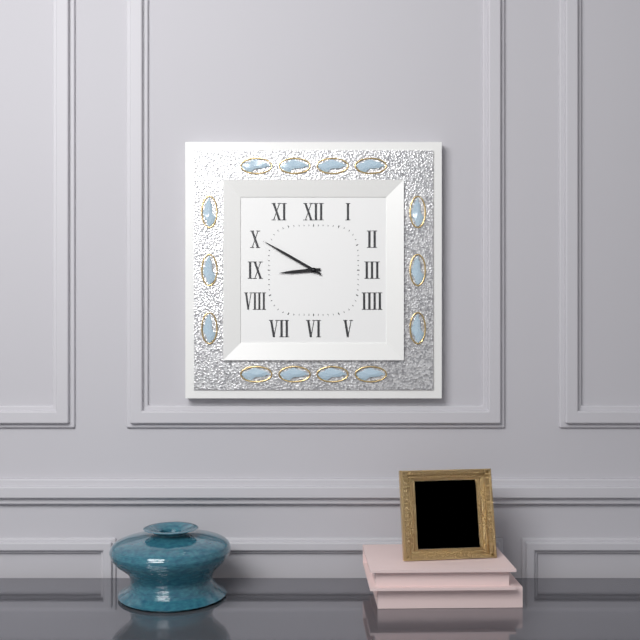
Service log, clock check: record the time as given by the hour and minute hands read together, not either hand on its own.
8:50
